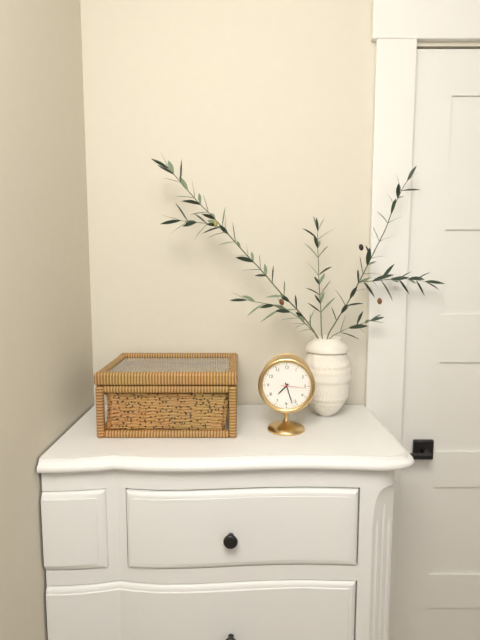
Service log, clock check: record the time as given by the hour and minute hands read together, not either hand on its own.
7:27
